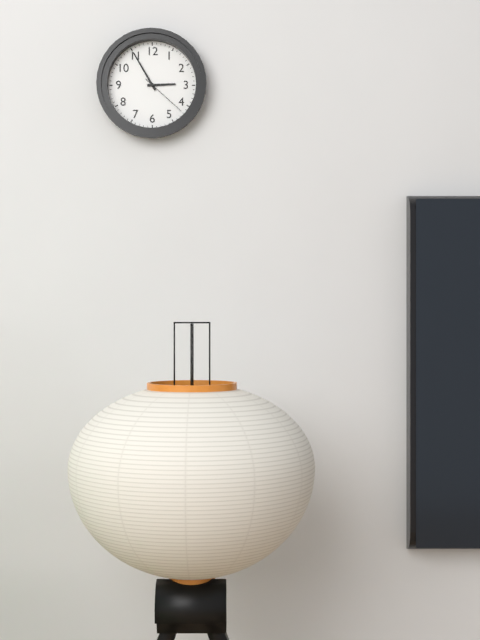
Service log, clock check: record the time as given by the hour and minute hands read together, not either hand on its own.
2:55
